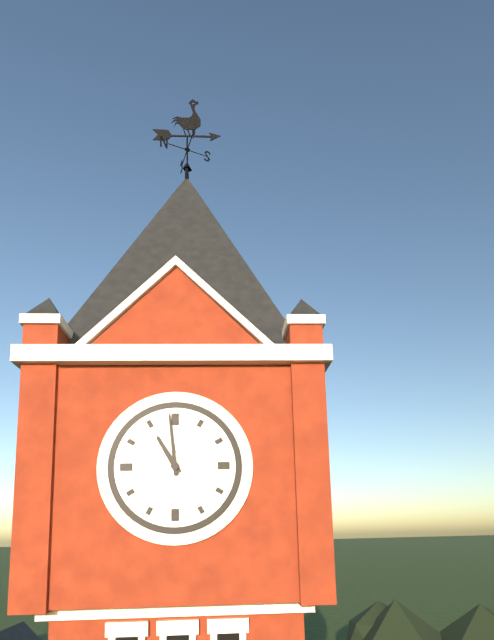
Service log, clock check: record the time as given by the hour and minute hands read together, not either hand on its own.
10:59
